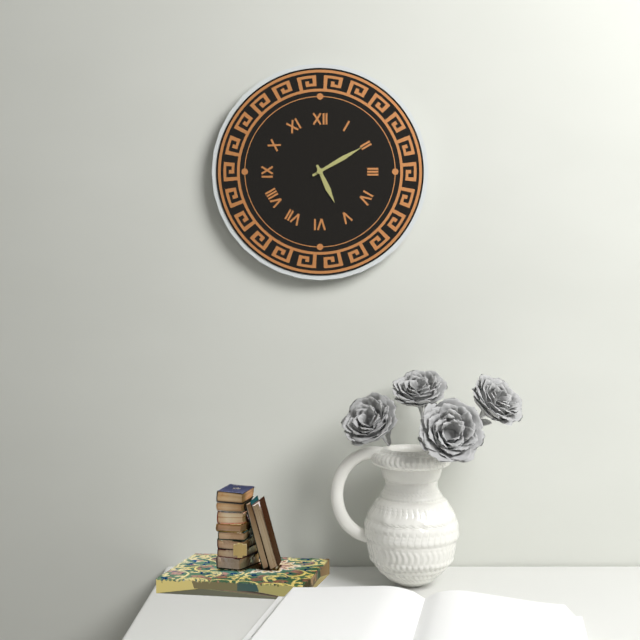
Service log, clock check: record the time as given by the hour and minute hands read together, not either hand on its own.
5:10
